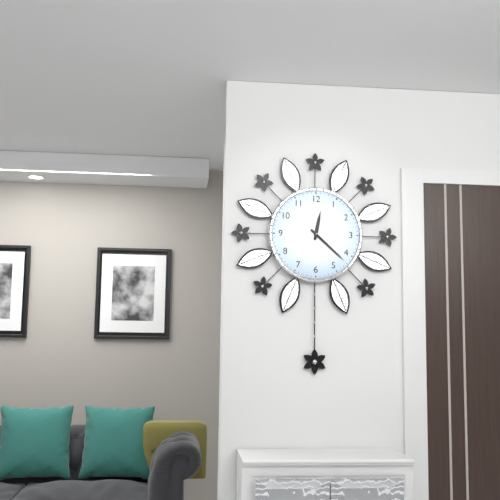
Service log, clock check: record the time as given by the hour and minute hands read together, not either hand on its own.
12:22
